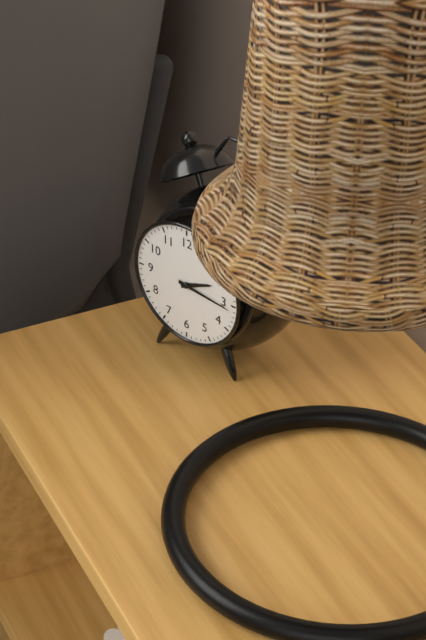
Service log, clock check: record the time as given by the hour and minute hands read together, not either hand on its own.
2:16
